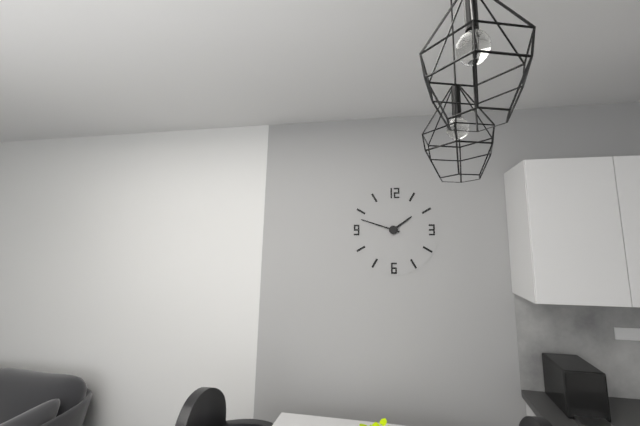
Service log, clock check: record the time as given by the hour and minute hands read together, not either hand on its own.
1:48
